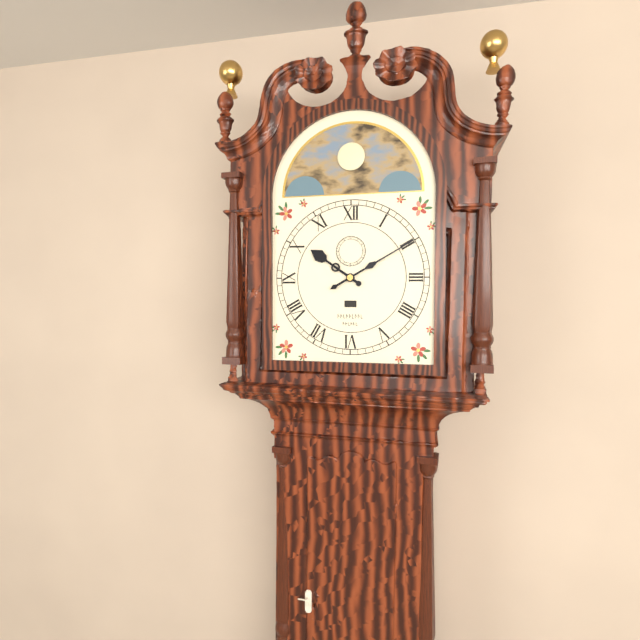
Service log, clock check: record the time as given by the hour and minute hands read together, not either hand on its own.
10:10
